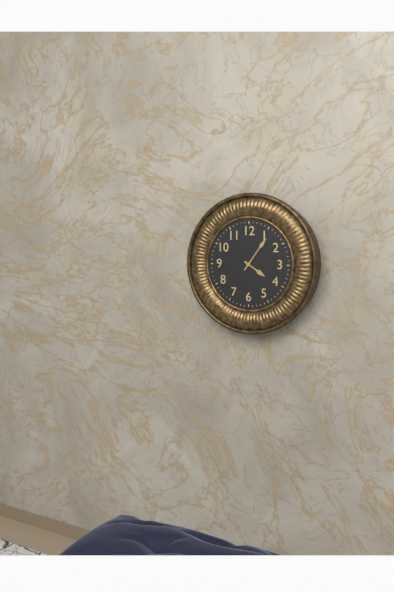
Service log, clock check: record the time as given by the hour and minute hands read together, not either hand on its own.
4:06
